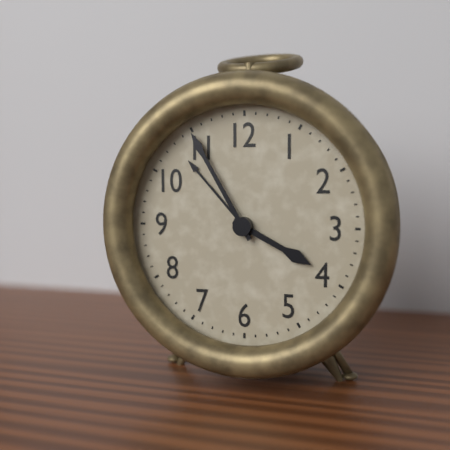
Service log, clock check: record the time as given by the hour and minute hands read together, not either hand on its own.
3:55
